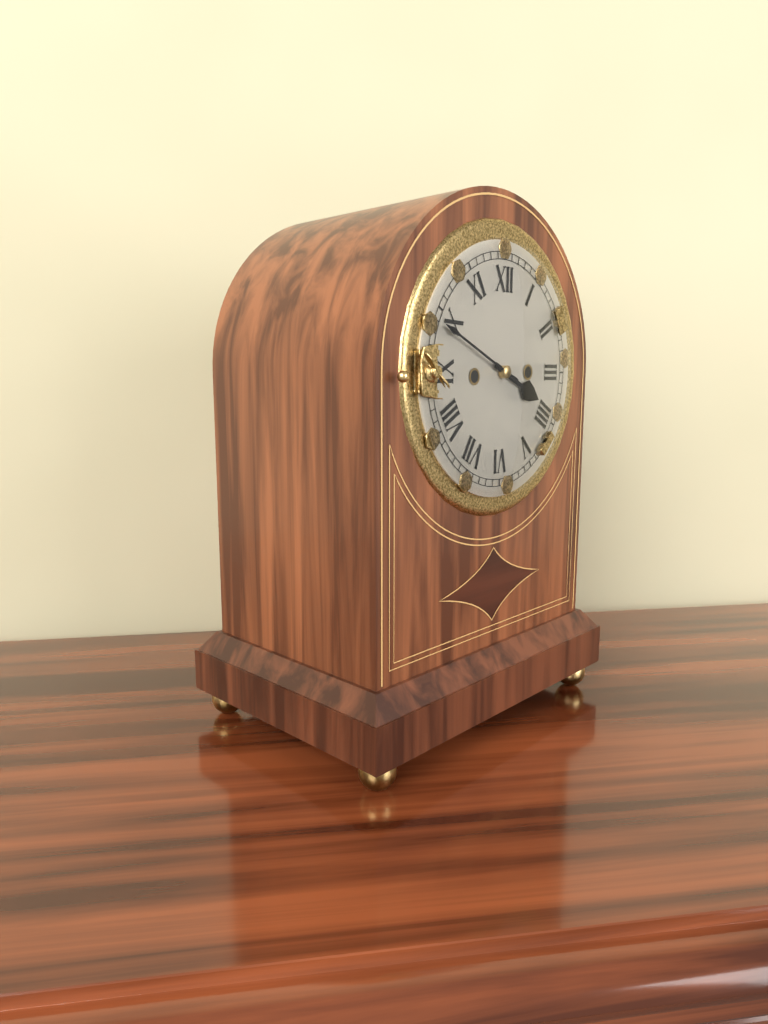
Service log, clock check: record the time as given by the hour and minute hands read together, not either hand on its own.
3:49
